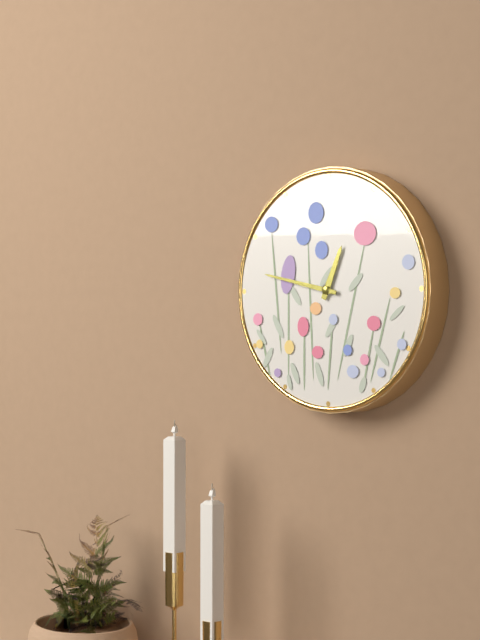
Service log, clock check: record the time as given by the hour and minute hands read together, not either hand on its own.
12:47
